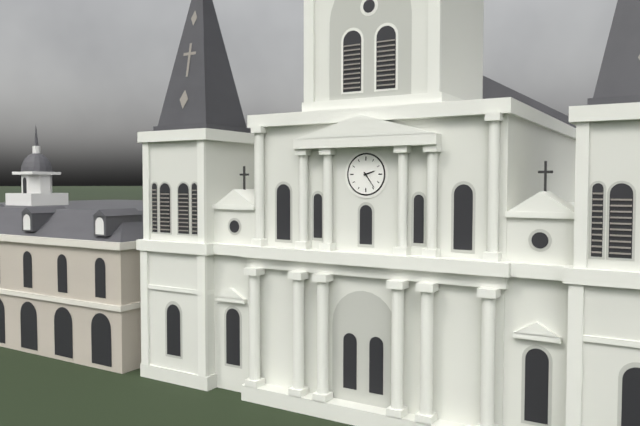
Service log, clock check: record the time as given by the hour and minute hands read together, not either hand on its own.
2:24
